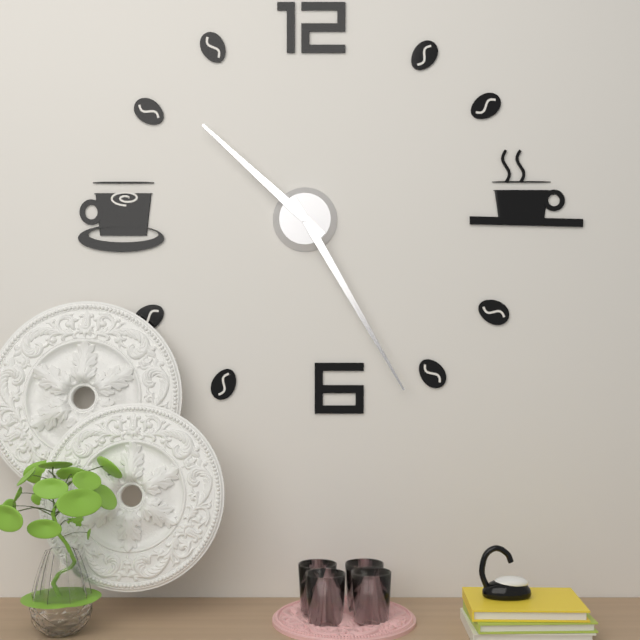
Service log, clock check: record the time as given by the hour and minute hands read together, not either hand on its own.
10:25
